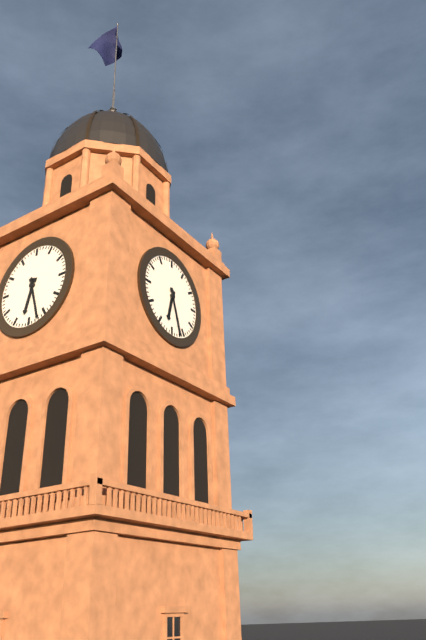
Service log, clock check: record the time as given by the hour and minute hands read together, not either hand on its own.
6:27
